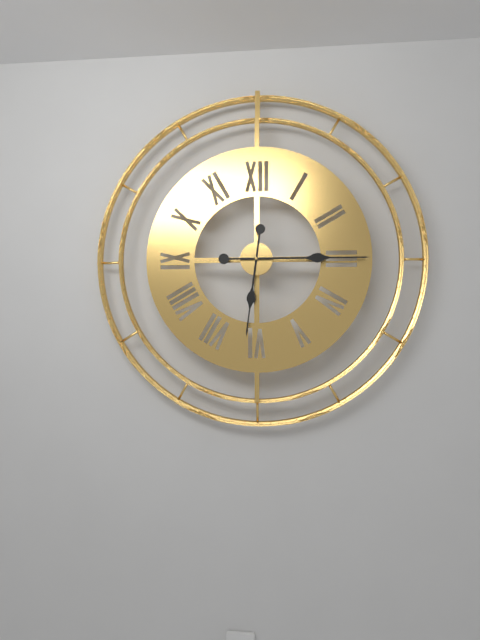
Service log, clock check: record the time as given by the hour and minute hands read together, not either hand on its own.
6:15
